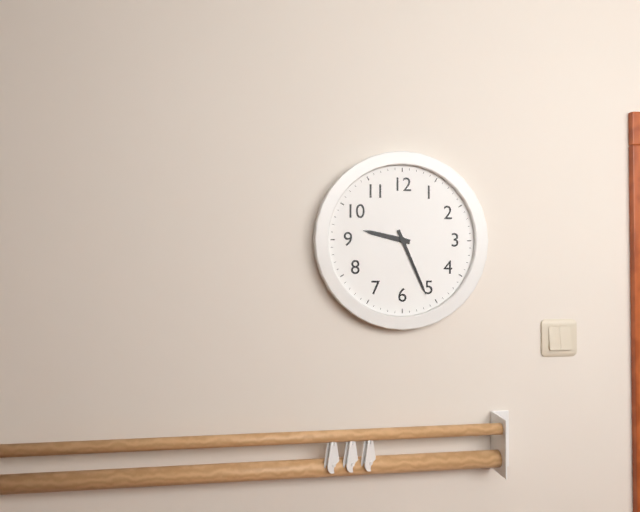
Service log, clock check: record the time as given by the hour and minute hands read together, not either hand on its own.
9:26
